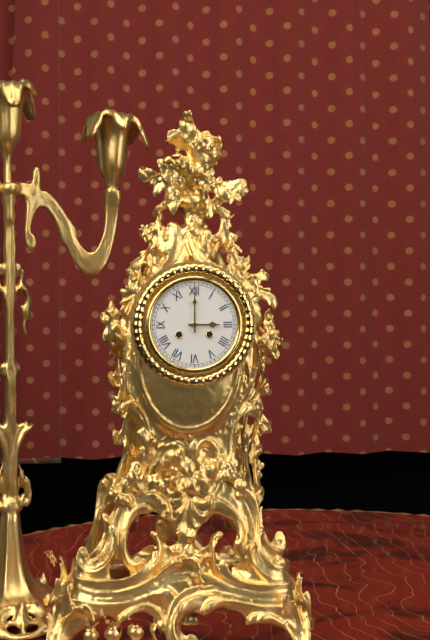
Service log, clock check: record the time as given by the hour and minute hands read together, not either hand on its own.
3:00
